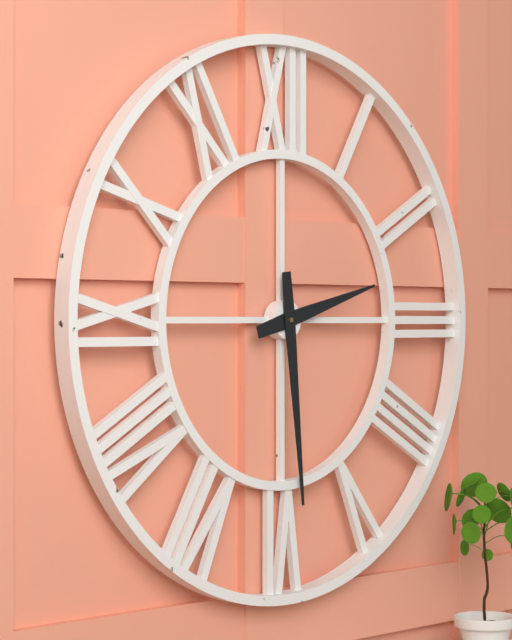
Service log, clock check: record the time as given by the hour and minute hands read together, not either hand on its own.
2:29
